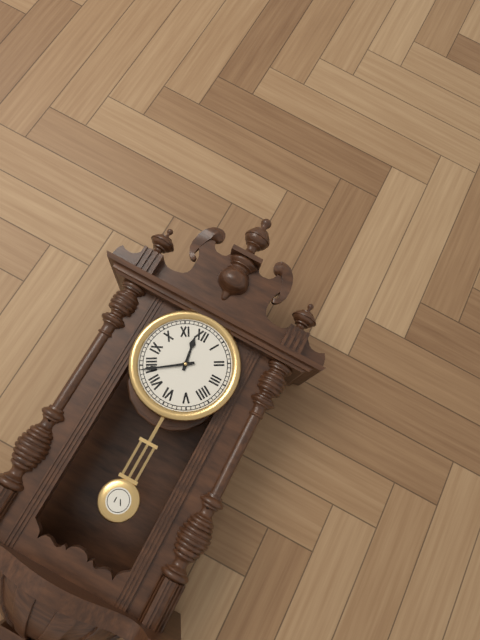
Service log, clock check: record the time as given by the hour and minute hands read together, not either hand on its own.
11:39
